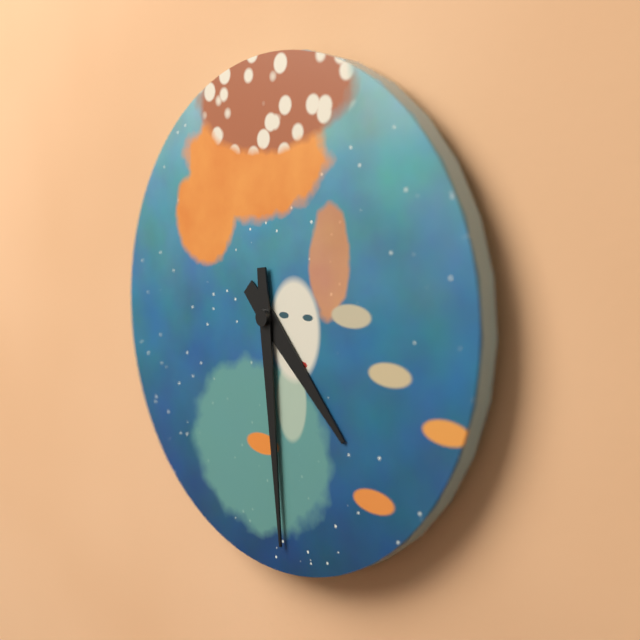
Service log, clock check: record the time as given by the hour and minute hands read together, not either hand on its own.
4:29
